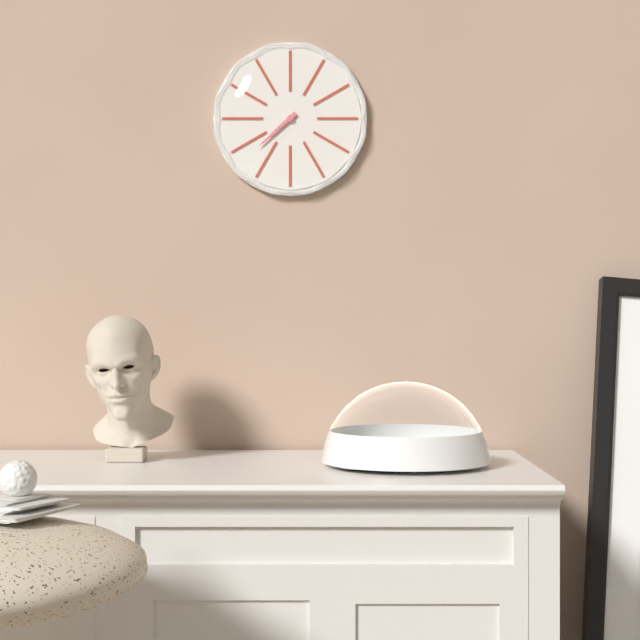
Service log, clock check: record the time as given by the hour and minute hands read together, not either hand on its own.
7:38
